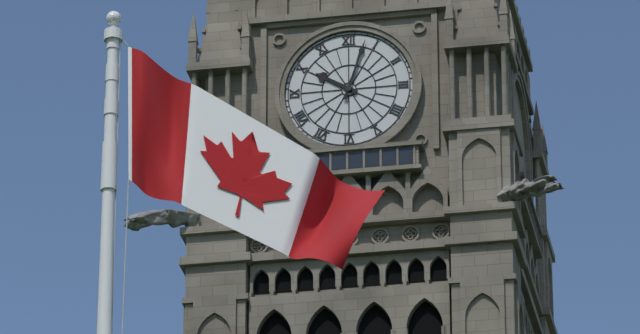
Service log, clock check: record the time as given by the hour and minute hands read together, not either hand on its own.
10:03
